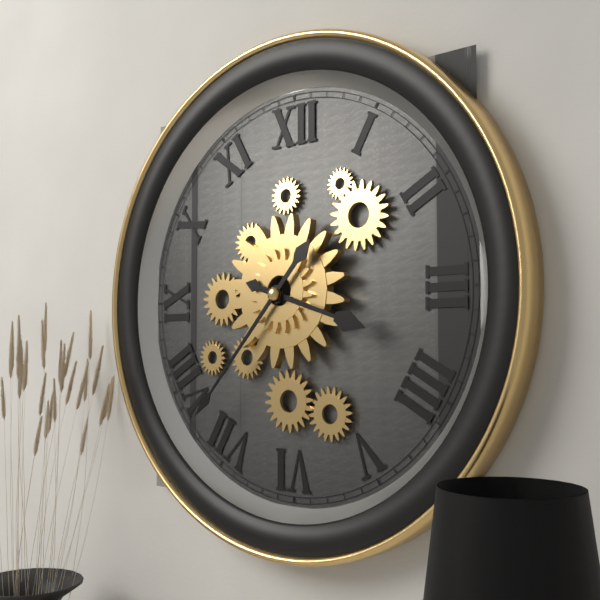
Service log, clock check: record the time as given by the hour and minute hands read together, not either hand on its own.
3:37
